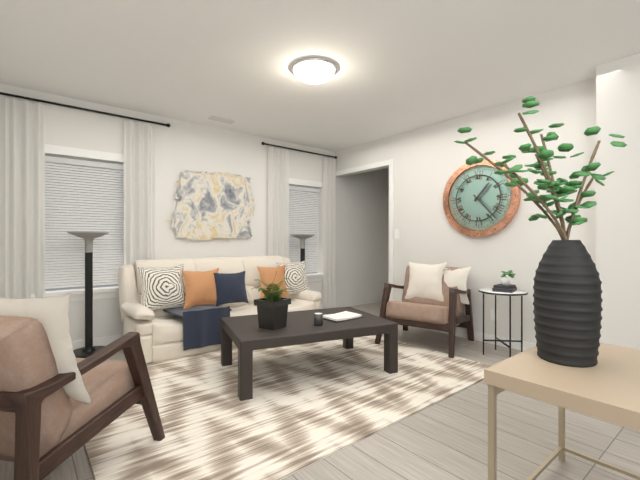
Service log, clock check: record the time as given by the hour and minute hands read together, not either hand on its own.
1:23
